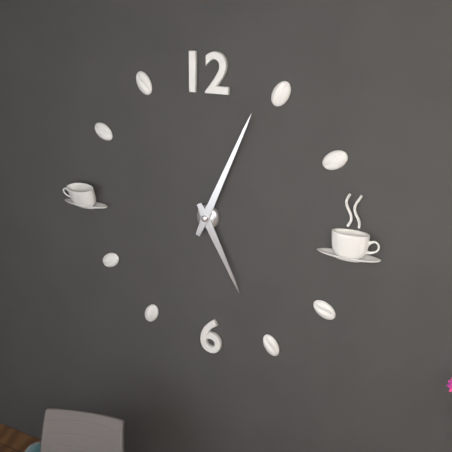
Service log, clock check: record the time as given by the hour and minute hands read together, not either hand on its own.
5:04
